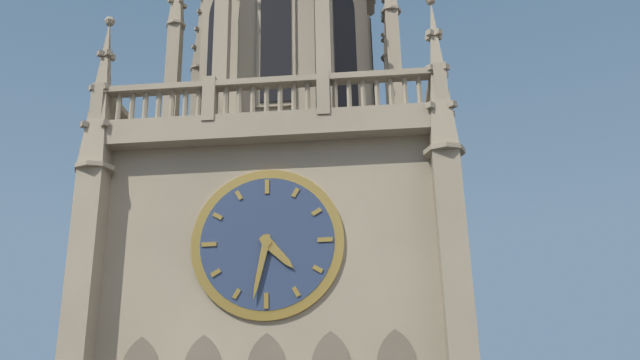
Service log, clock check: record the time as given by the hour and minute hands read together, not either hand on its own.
4:32
